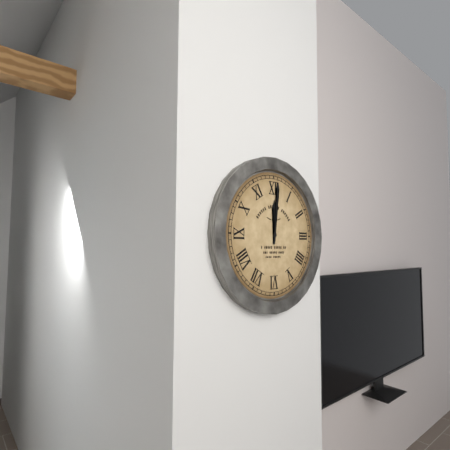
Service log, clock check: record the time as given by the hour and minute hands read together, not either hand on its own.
12:01
